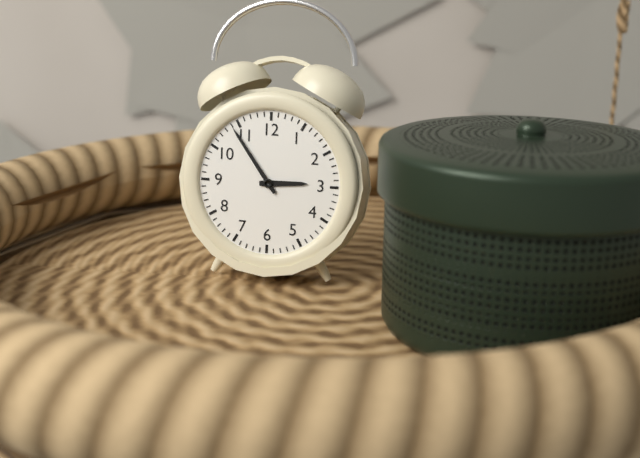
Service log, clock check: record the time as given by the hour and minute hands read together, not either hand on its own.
2:54
